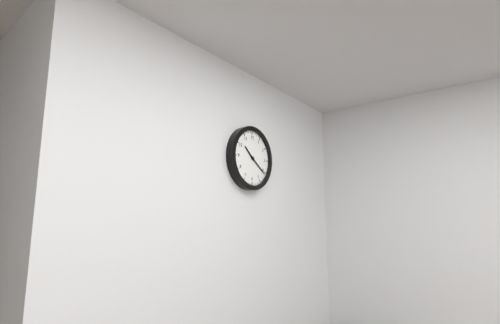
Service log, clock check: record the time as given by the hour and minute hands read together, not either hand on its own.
10:21
